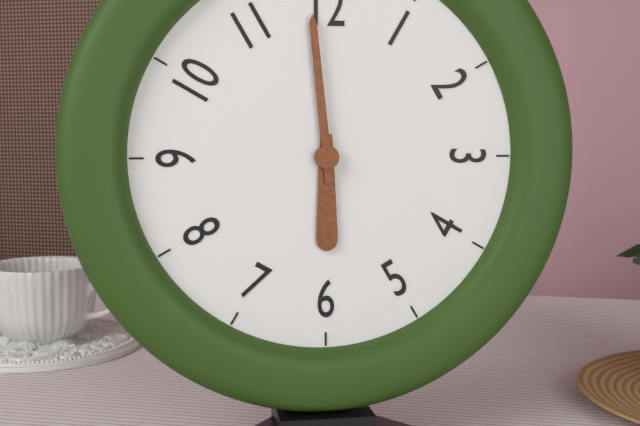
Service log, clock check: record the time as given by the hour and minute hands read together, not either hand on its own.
5:59
